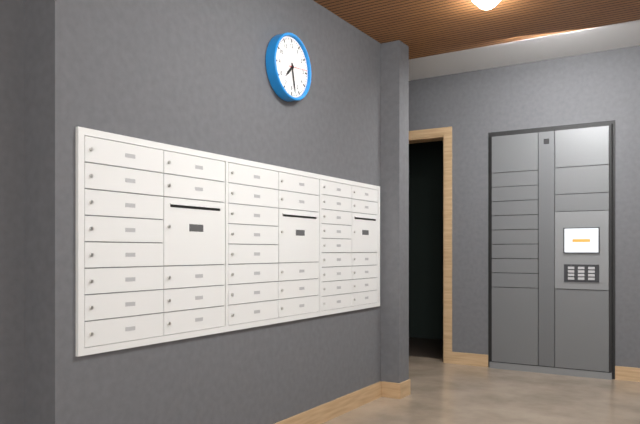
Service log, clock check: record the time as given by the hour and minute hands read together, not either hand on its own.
7:28
